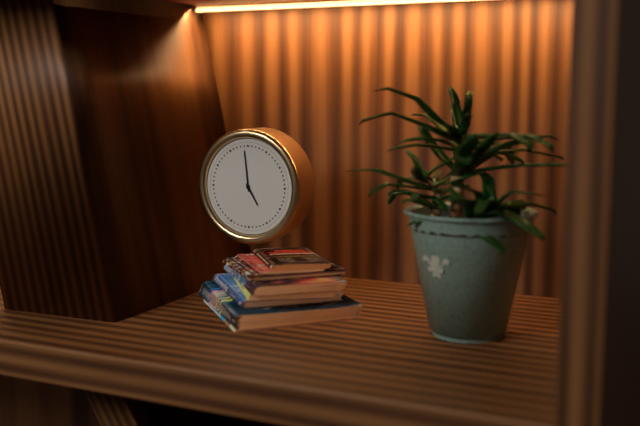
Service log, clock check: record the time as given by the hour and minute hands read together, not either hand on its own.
4:59
